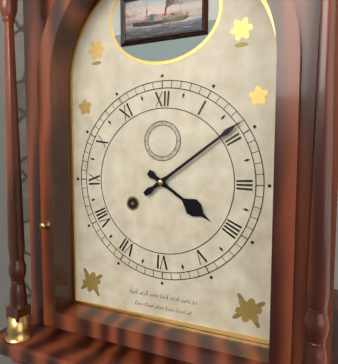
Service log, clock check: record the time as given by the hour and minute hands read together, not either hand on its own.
4:09
